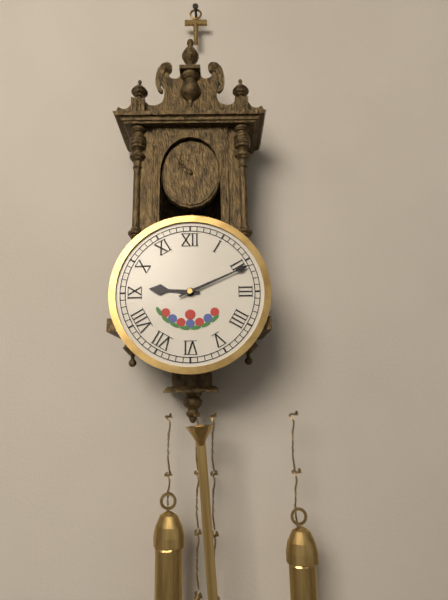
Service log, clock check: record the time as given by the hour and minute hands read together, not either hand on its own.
9:11
